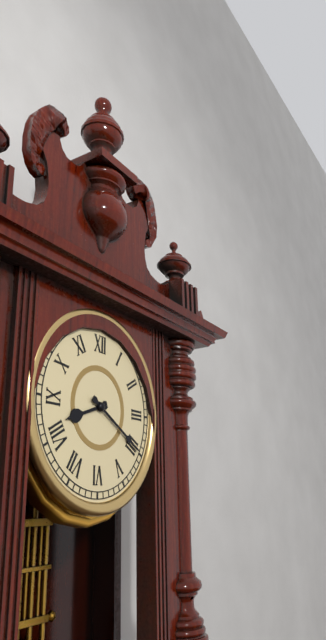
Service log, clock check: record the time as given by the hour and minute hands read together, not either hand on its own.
8:20
